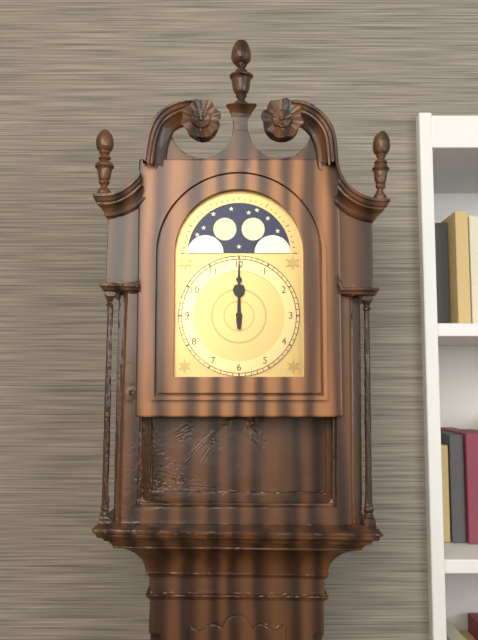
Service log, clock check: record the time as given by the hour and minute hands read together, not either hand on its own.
12:00
